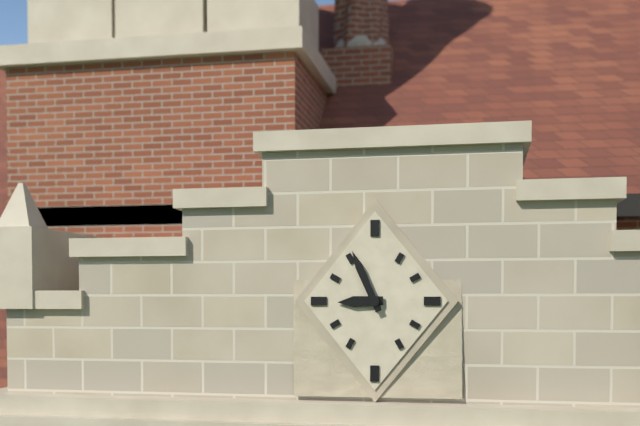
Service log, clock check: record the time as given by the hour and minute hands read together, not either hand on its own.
8:56
